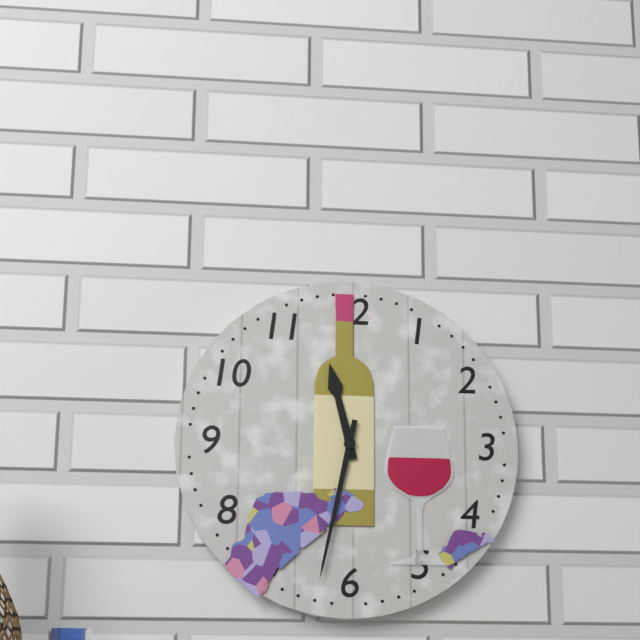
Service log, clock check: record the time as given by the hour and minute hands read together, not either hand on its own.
11:32
